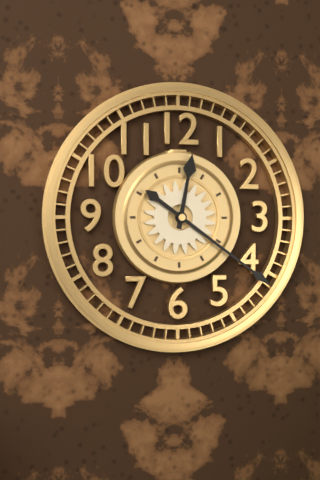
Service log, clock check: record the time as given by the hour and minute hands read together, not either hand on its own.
12:21
